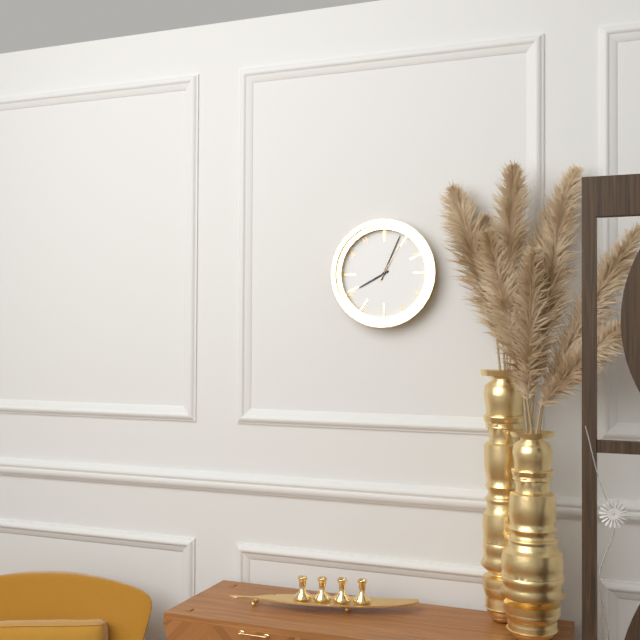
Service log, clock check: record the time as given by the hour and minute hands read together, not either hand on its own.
8:04
